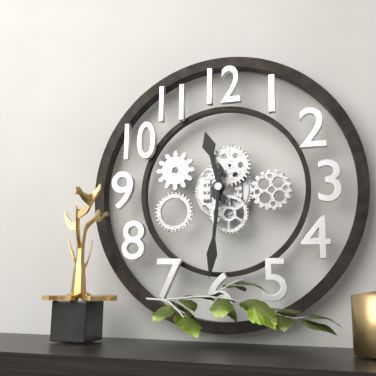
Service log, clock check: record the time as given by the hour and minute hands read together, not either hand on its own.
11:31
